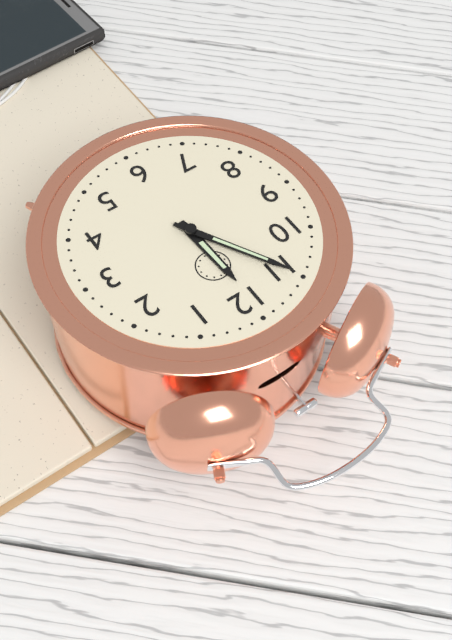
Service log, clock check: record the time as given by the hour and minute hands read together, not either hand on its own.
11:55
